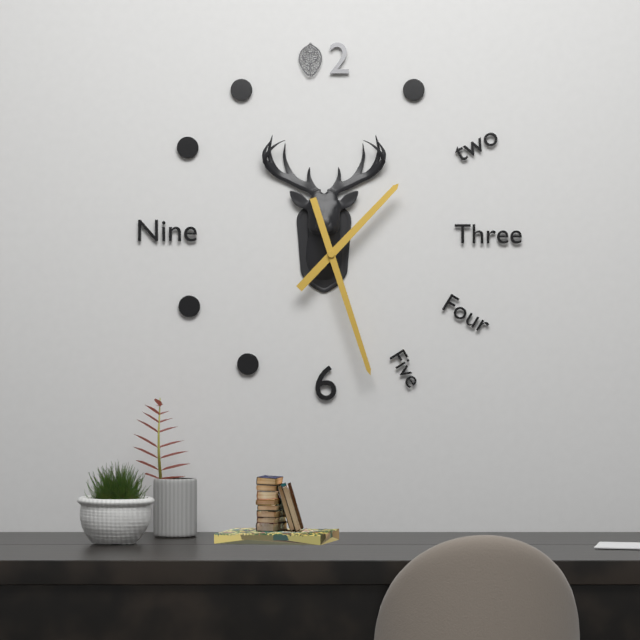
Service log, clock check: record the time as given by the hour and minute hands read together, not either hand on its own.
1:27
